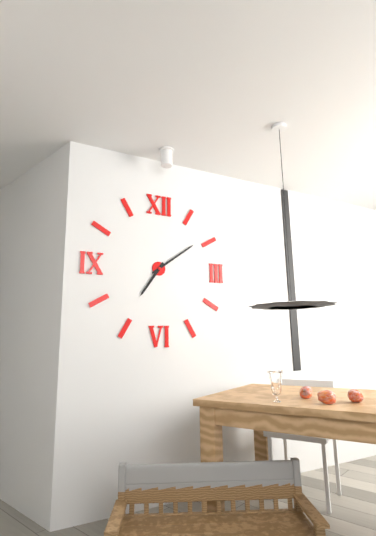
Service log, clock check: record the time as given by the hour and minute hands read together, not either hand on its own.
7:09
